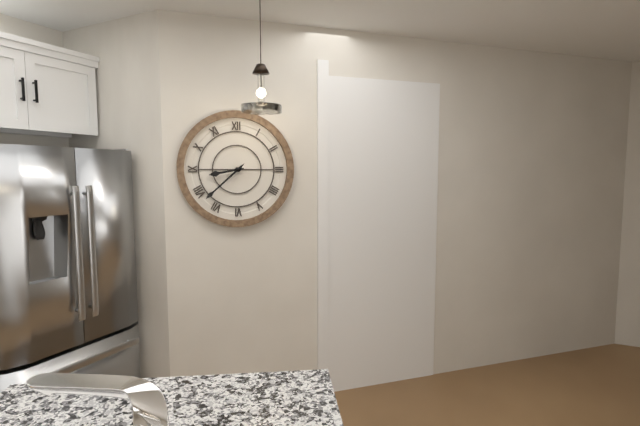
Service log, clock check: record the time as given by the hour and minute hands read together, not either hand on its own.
8:38
